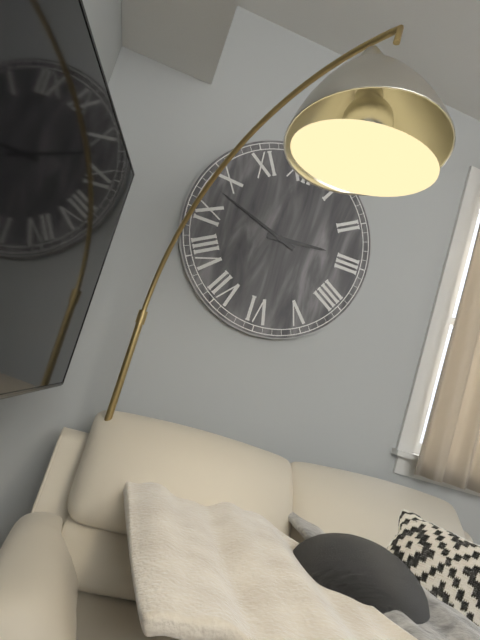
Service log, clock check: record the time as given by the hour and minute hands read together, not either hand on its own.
2:48
